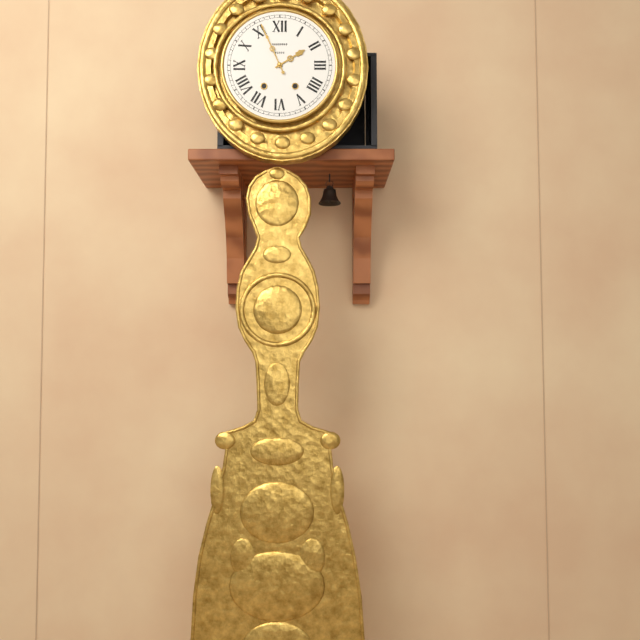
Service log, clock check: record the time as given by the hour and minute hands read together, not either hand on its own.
1:56
